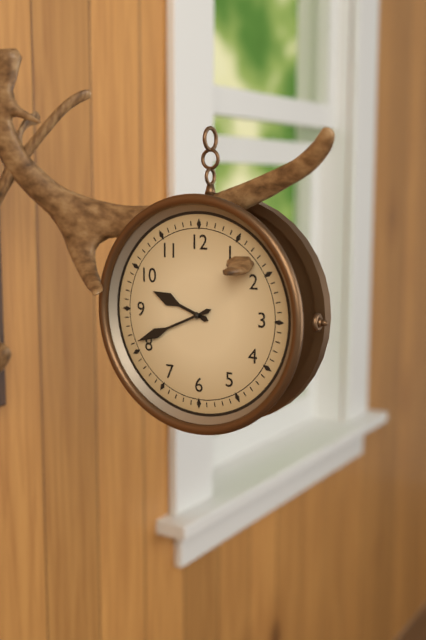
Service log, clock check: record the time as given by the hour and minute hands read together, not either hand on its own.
9:41
